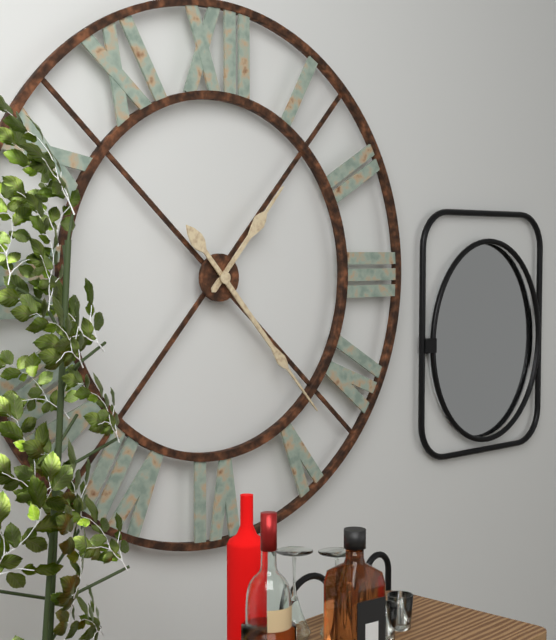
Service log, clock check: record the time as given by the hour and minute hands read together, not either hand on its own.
1:23
